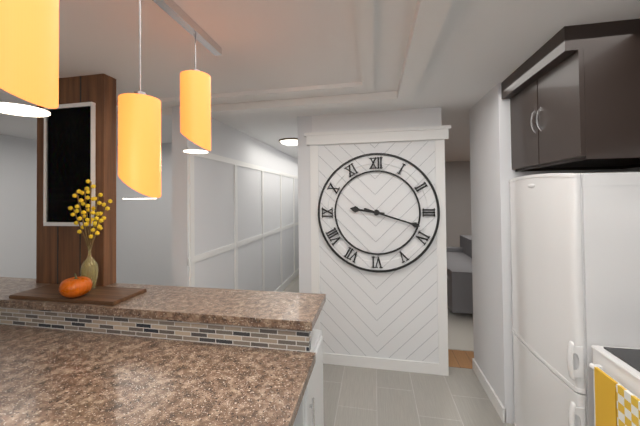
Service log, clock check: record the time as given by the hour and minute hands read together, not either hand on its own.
9:18
